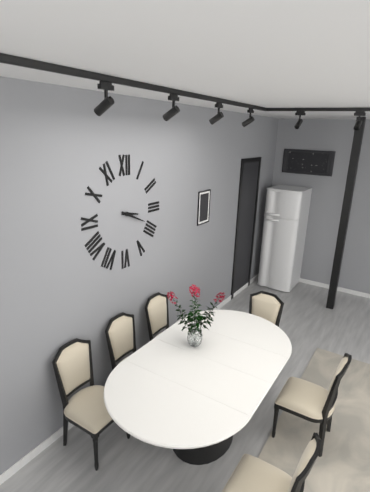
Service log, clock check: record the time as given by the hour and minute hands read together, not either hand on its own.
3:19
